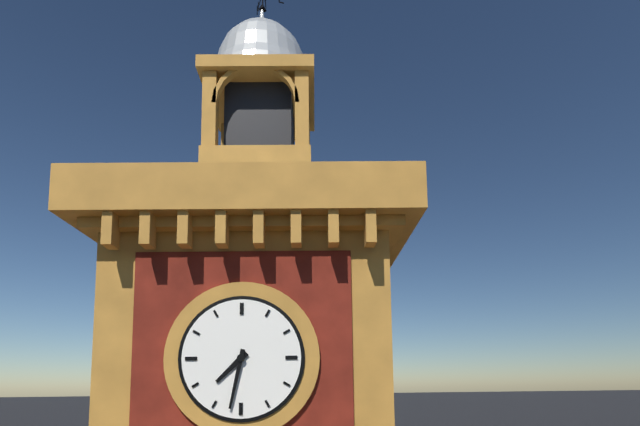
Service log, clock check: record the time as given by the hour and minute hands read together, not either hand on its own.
7:32
